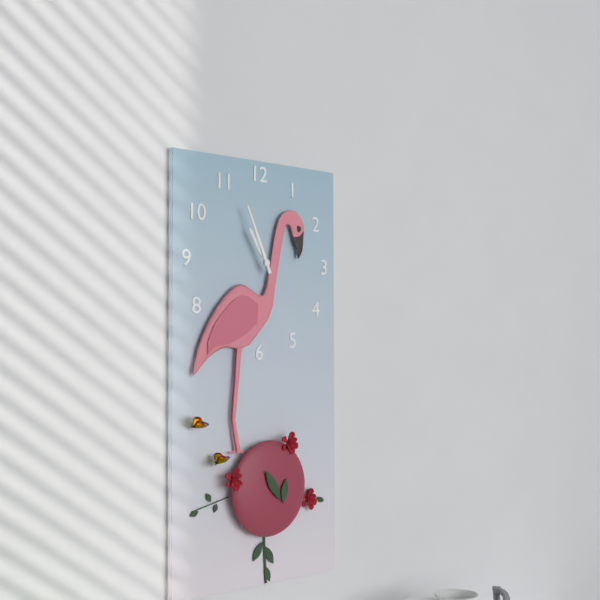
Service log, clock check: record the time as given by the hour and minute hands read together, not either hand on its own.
10:56
